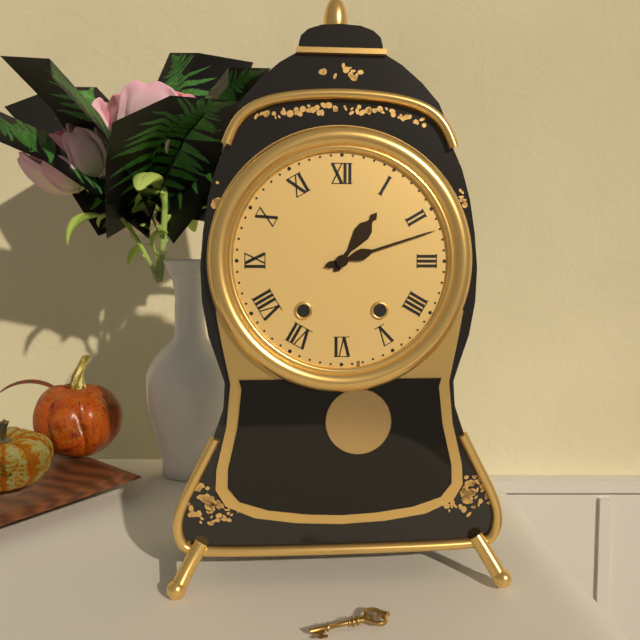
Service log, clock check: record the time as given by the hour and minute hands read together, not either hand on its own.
1:12
